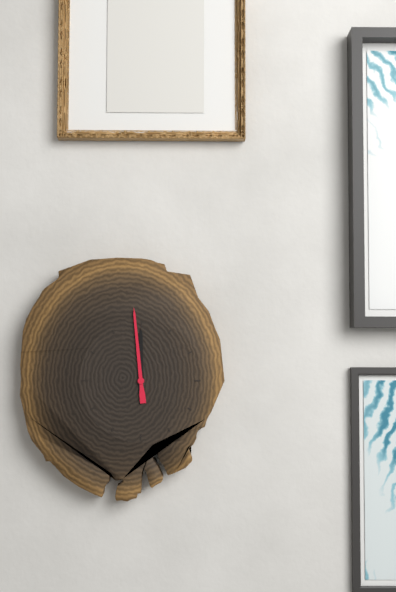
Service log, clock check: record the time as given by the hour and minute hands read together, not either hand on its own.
11:59
